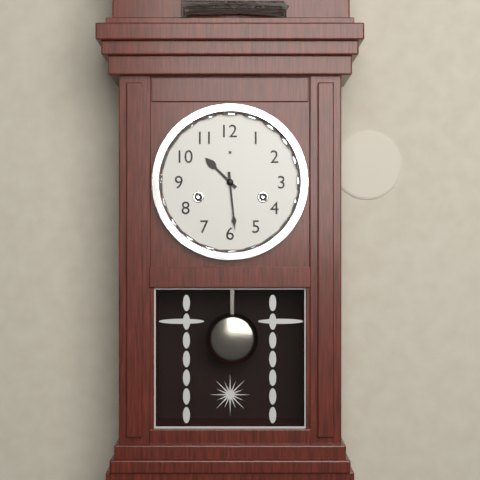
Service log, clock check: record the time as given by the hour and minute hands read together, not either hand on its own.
10:29
